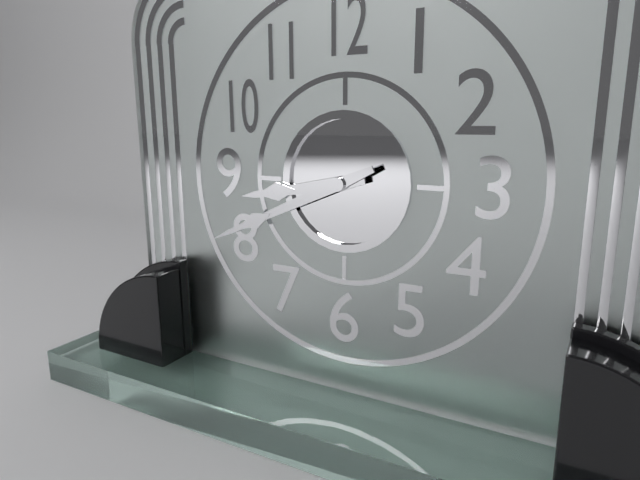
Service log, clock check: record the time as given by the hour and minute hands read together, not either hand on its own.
8:41
